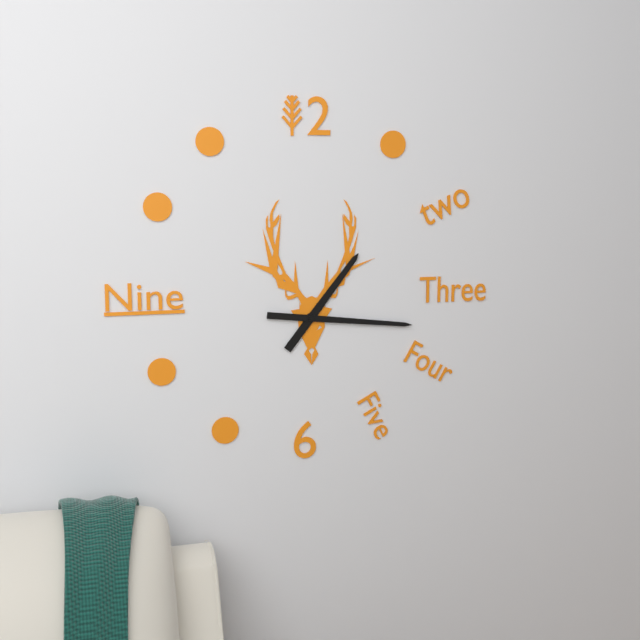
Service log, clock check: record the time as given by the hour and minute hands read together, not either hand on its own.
1:16
